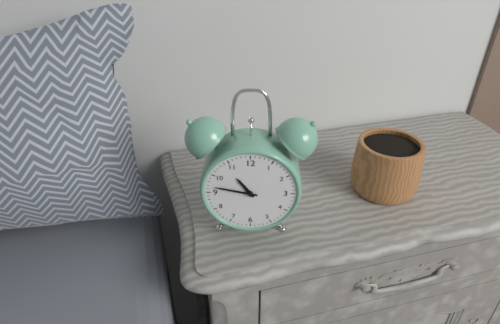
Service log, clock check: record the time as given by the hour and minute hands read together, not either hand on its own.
10:47
